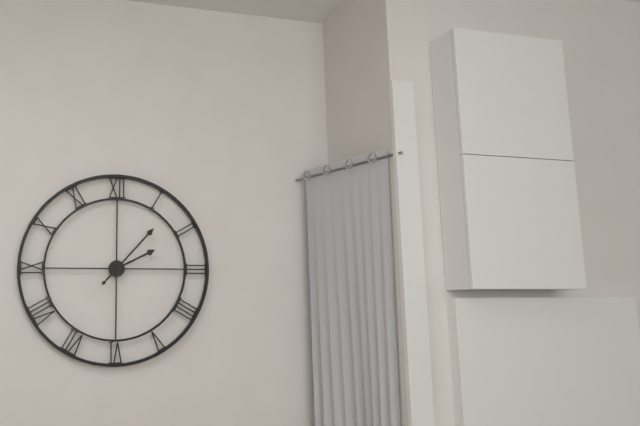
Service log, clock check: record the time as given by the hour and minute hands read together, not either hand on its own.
2:07
